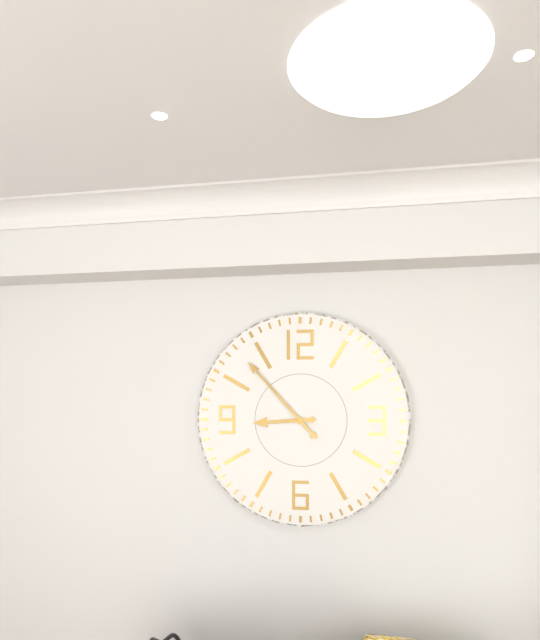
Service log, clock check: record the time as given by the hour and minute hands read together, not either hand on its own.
8:53
